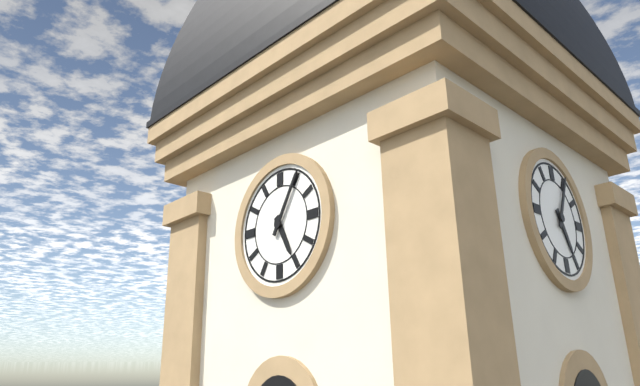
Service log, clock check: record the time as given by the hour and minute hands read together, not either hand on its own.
5:05
